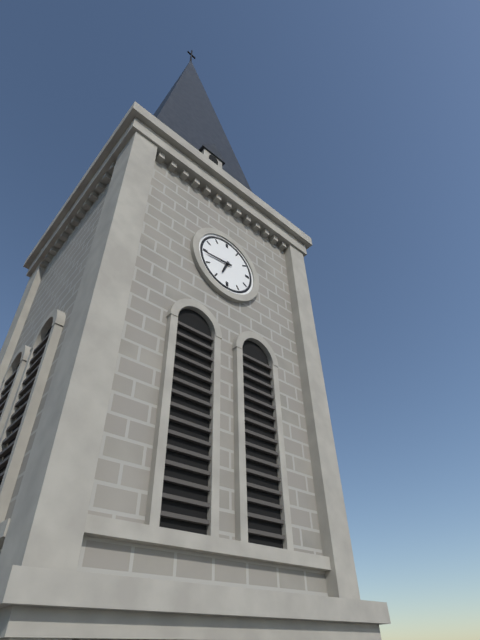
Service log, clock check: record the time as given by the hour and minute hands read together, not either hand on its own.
6:44
